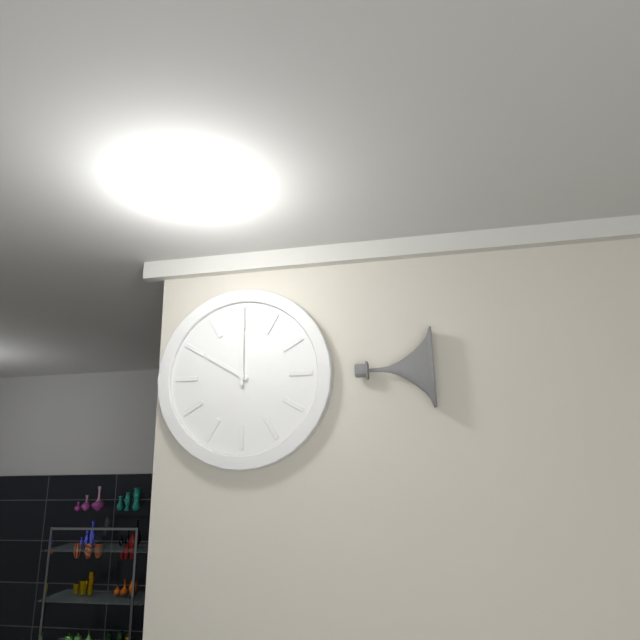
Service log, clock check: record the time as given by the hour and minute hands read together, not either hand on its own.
10:00
